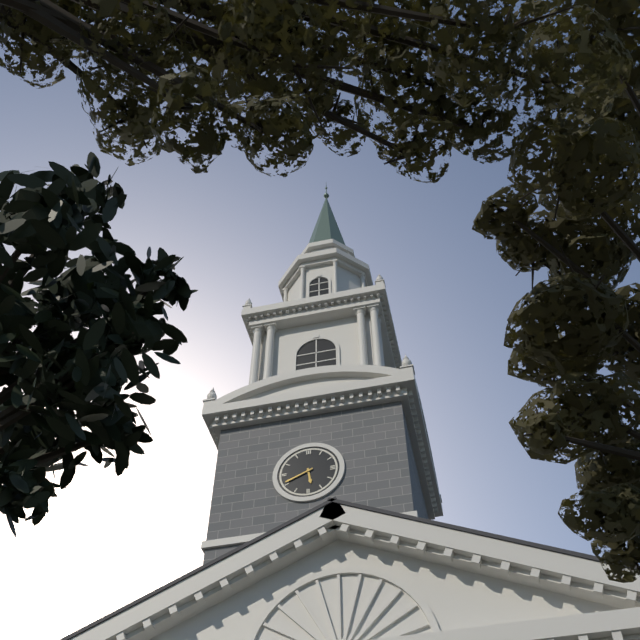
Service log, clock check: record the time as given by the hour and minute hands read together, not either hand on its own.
5:41
